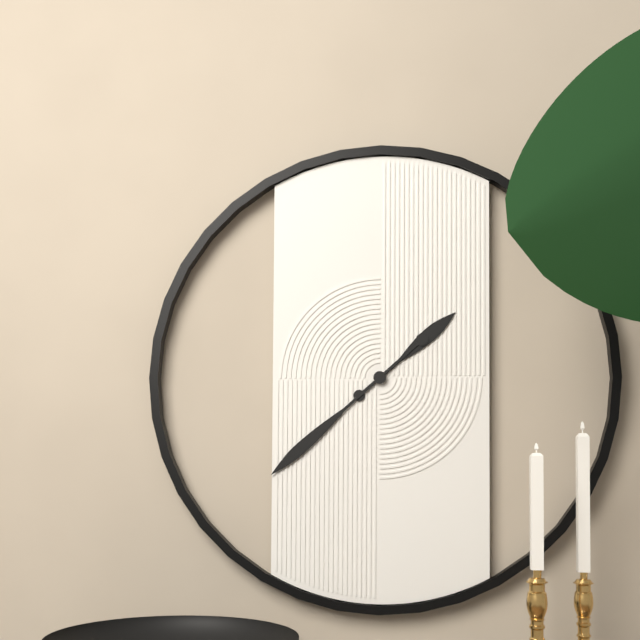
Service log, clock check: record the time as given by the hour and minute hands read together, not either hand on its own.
1:38
